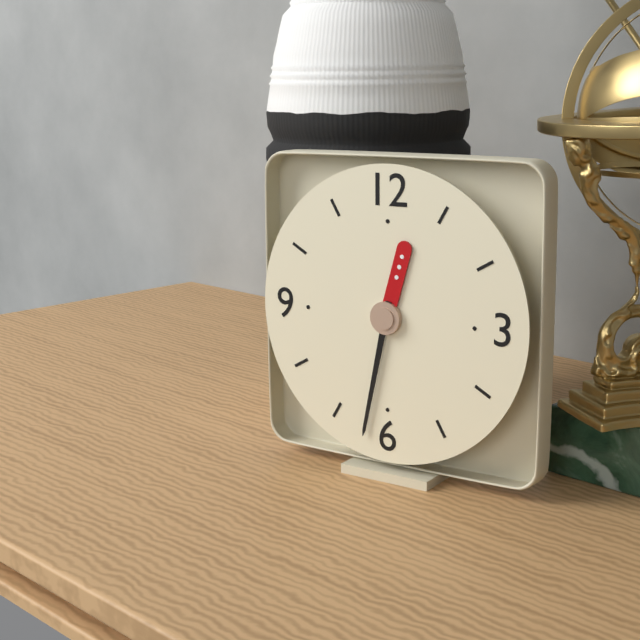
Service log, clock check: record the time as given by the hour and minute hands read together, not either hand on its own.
12:32
